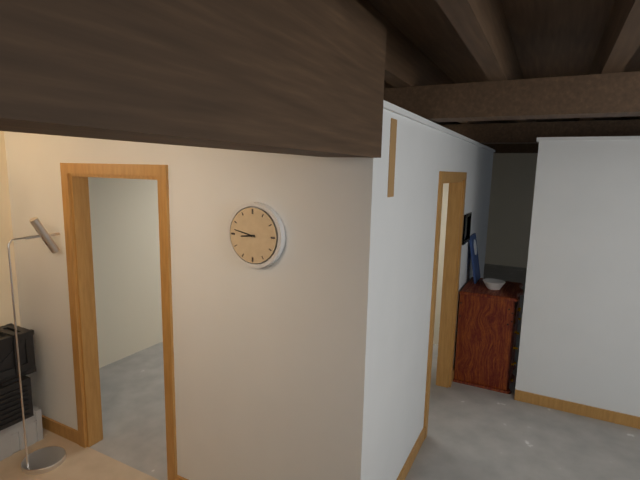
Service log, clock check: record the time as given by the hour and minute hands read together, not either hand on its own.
8:47
